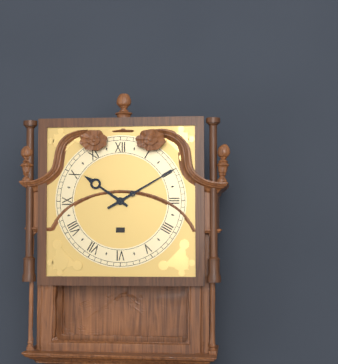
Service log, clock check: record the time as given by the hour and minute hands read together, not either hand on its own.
10:10
